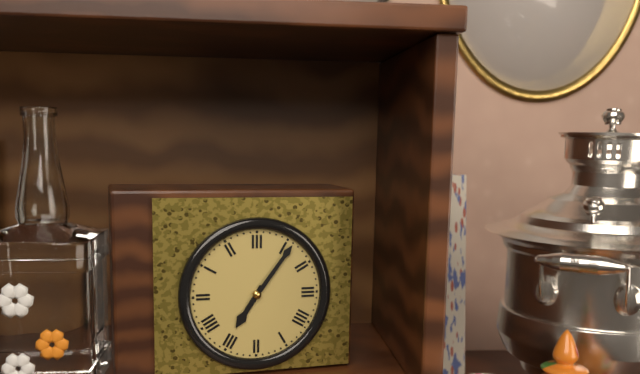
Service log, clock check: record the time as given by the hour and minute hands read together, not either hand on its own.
7:06
